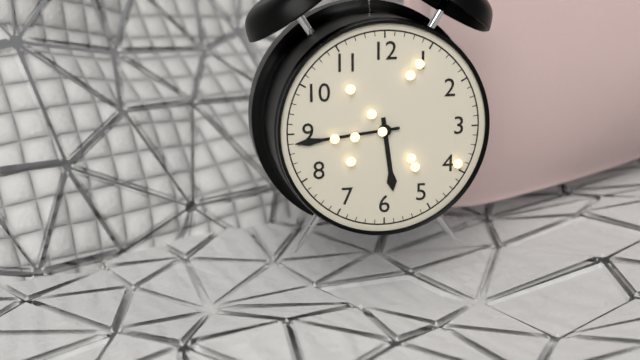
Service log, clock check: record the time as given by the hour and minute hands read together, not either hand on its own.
5:44
